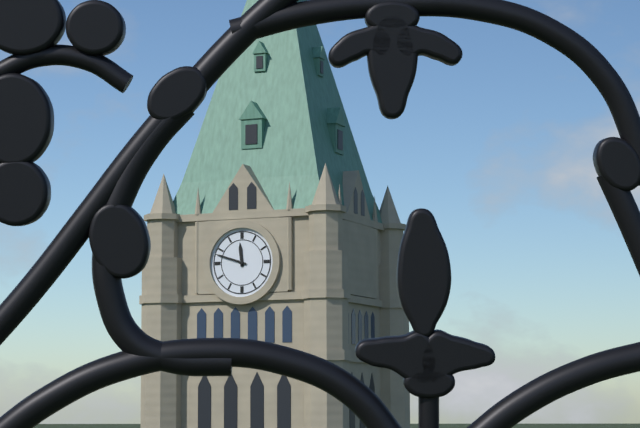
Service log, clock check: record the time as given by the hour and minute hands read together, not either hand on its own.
11:48
